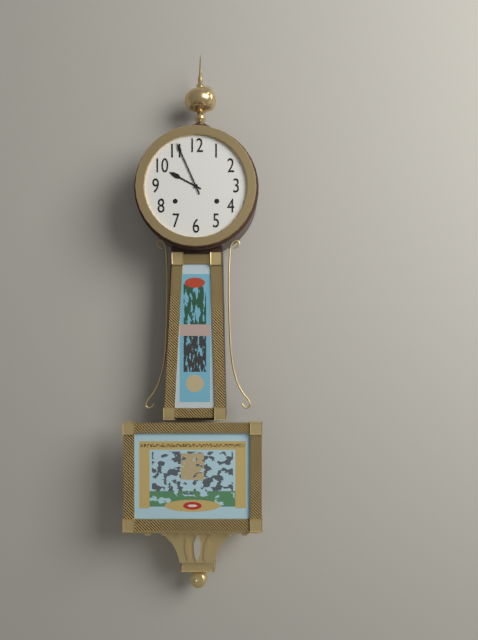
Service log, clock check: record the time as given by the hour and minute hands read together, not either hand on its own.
9:56
